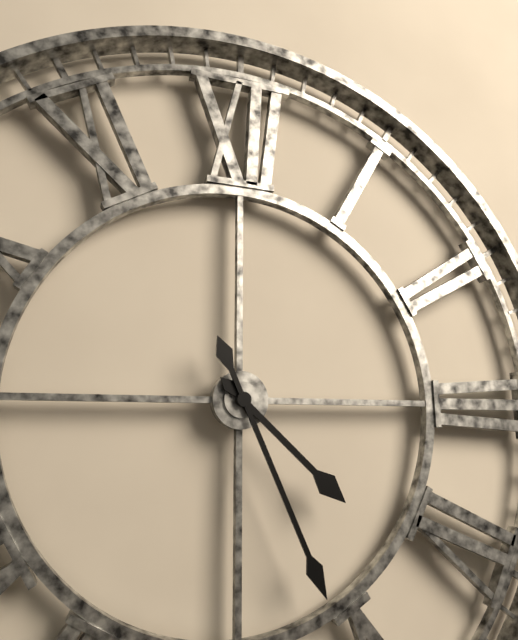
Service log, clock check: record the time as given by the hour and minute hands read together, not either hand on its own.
4:26
